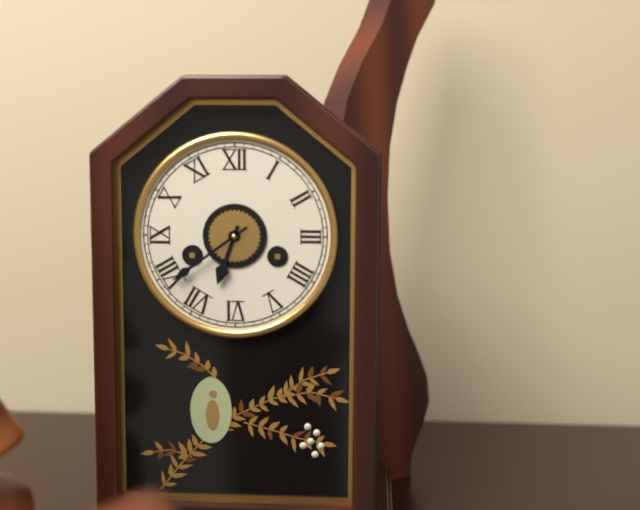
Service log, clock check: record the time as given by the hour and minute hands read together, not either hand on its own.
6:39
